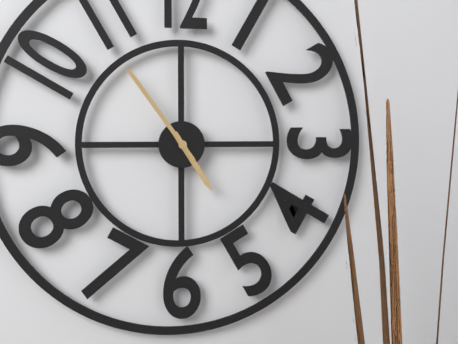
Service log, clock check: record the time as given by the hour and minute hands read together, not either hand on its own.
4:54
